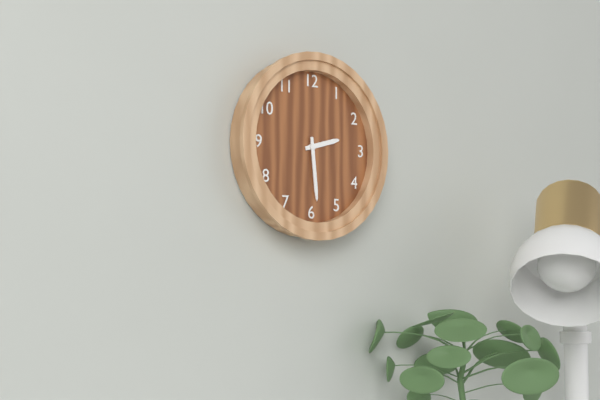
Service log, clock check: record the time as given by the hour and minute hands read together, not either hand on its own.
2:29
